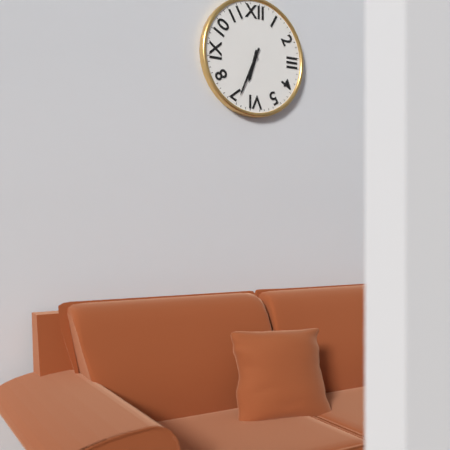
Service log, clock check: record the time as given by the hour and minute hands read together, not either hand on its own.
6:34
